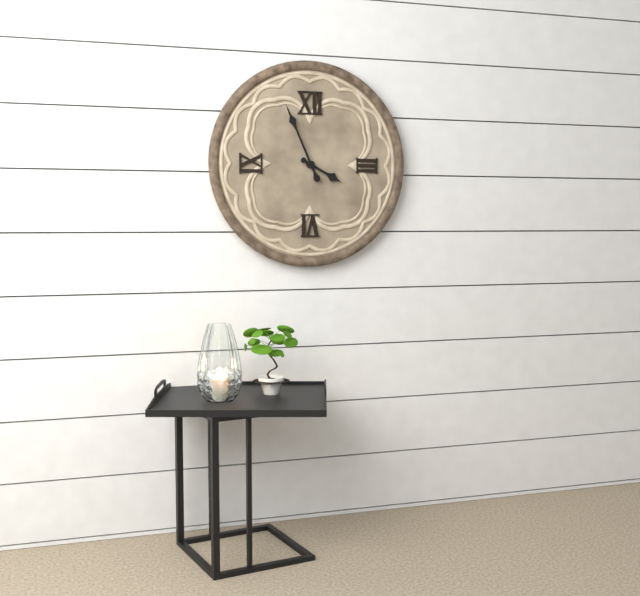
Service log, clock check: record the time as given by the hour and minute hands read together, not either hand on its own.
3:56
